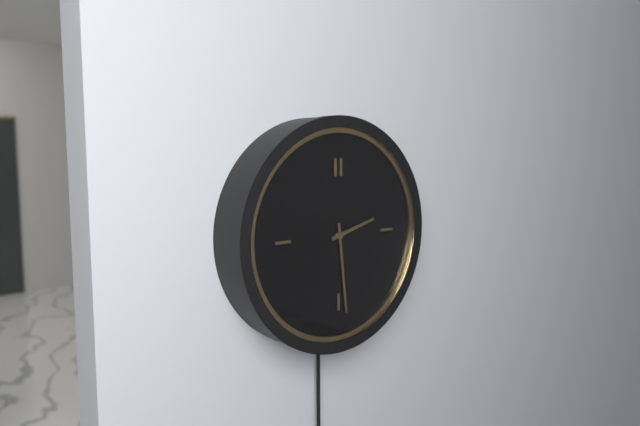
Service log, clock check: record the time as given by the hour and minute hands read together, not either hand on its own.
2:29
